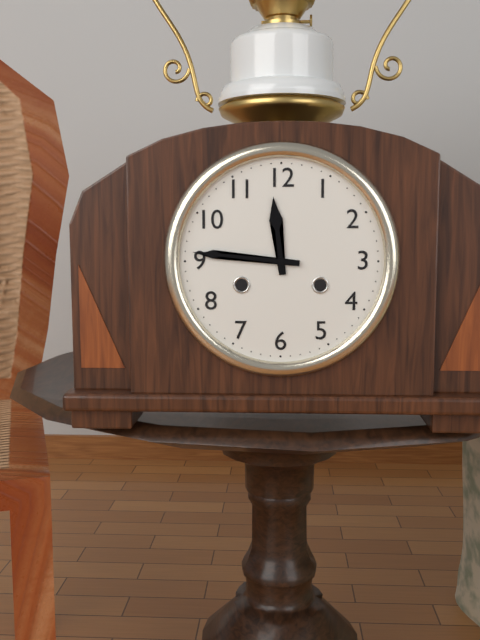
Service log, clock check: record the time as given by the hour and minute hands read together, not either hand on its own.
11:46
